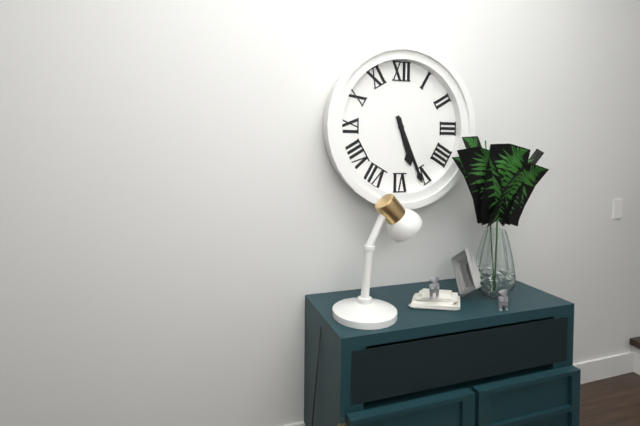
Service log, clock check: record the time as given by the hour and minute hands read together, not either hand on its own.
5:26
